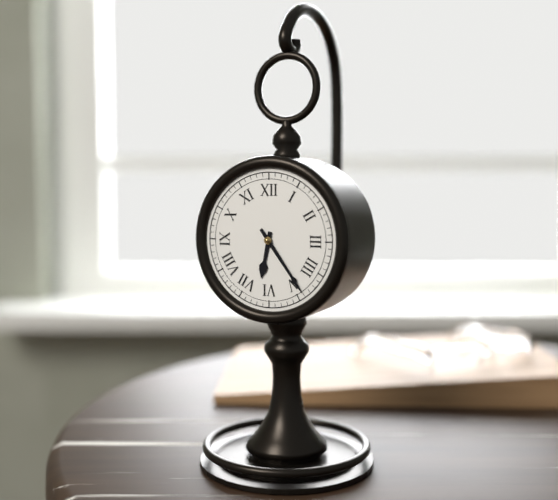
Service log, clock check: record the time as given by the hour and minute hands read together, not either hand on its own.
6:24
